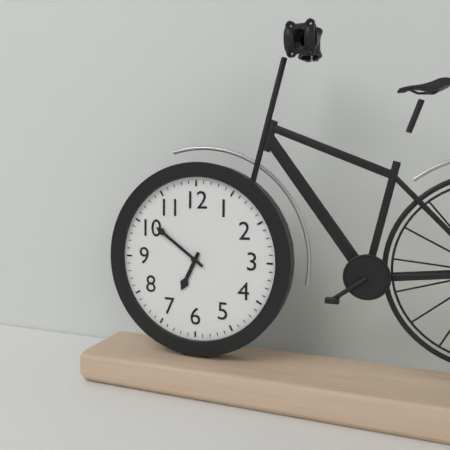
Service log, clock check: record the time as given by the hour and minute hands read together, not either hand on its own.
6:51
